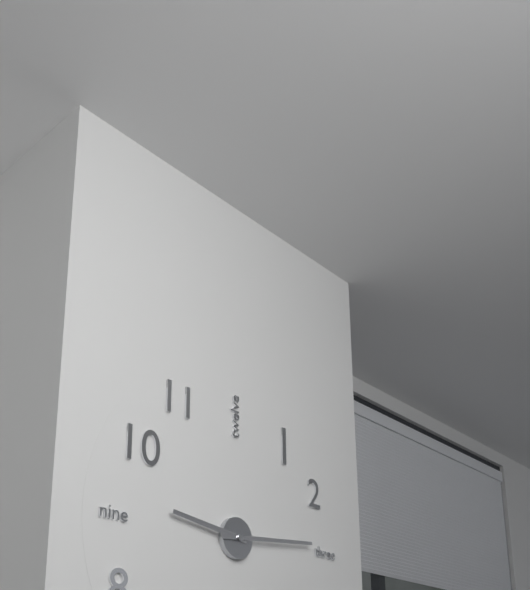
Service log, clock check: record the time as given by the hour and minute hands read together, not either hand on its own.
9:14
